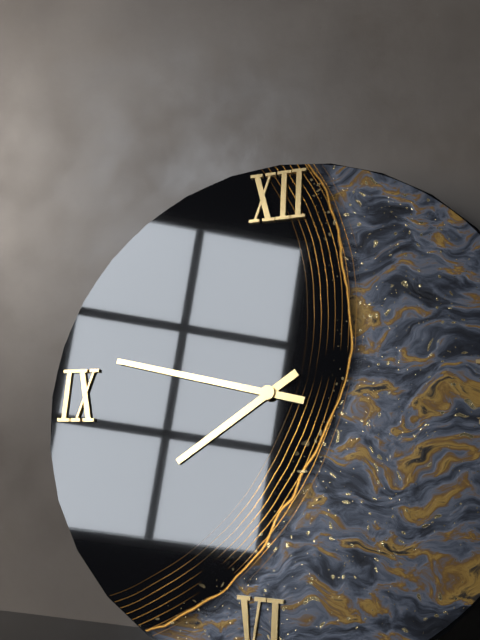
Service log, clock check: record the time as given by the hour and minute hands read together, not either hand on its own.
7:47
